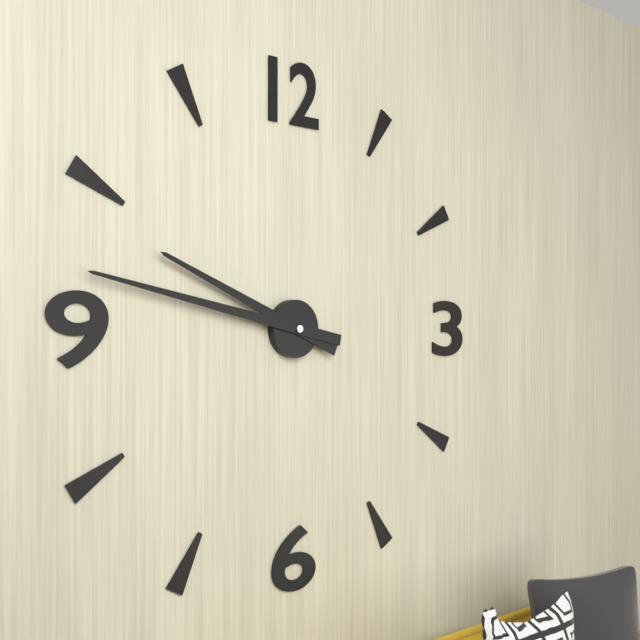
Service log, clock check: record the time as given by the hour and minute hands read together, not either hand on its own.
9:47
